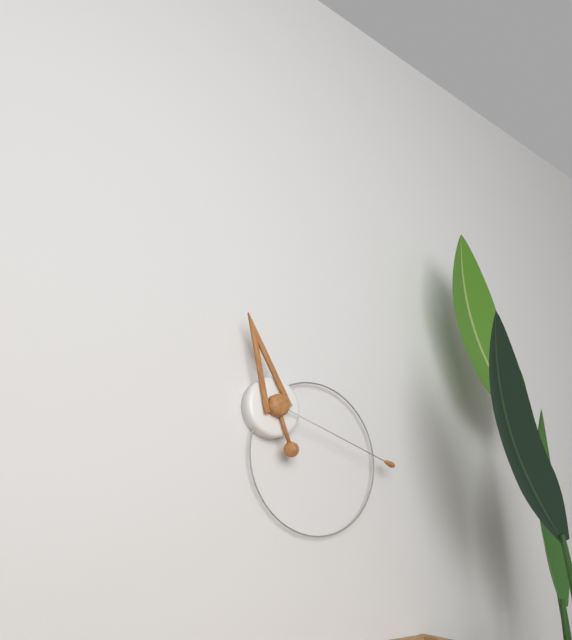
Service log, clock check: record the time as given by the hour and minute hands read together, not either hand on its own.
11:18
